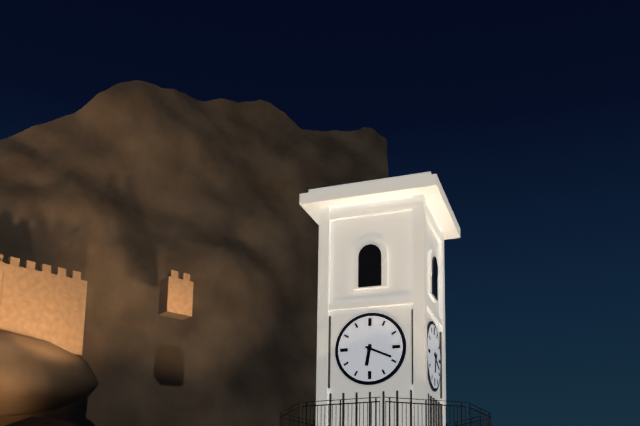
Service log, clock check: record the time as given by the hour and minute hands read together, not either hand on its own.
6:19
